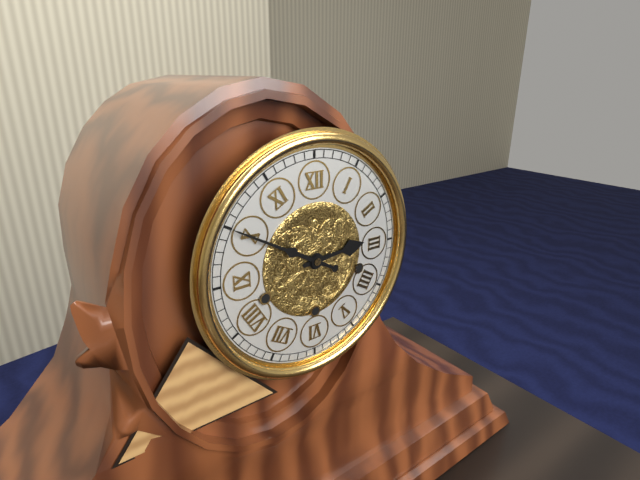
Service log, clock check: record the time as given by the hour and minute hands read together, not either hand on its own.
2:50
